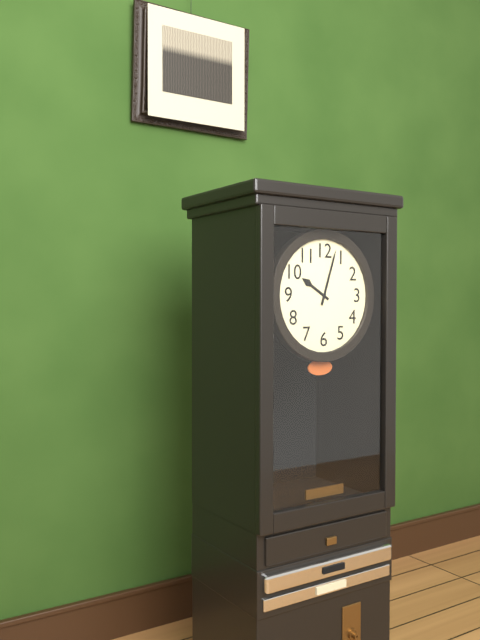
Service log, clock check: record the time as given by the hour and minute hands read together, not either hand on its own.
10:03
